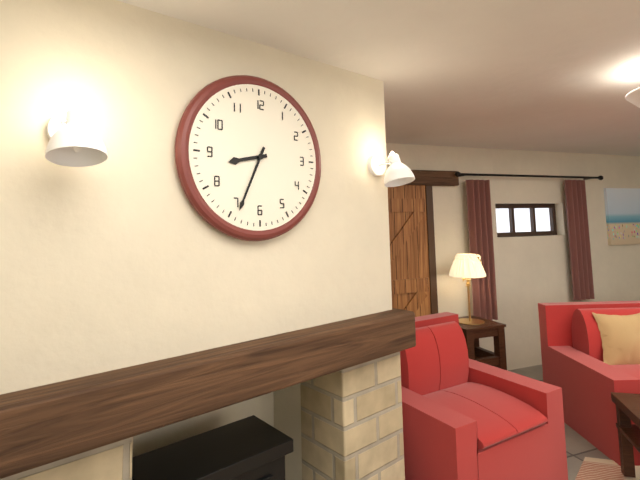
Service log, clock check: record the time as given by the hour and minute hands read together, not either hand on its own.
8:34
